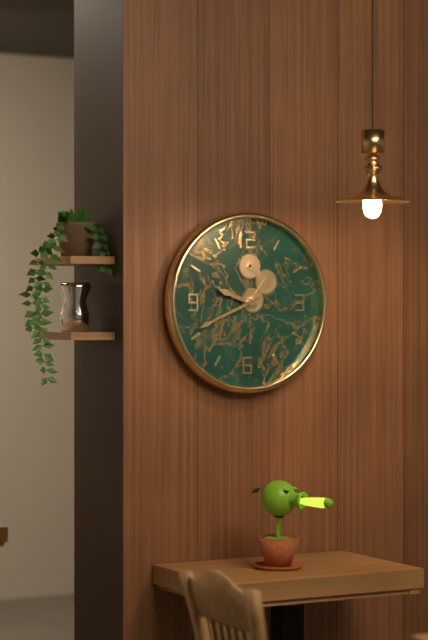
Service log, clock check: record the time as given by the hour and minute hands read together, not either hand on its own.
9:41
